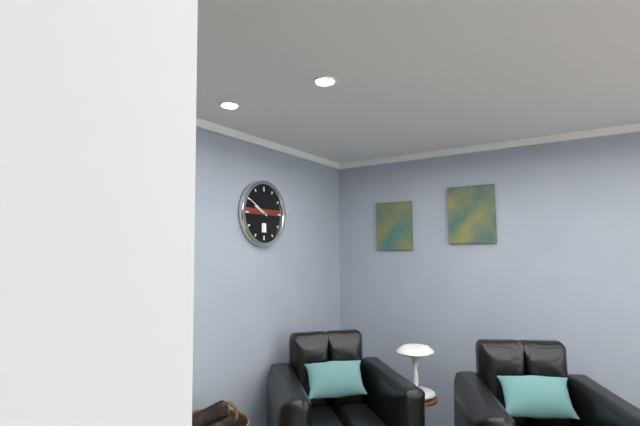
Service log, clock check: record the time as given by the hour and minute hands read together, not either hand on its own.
9:50
